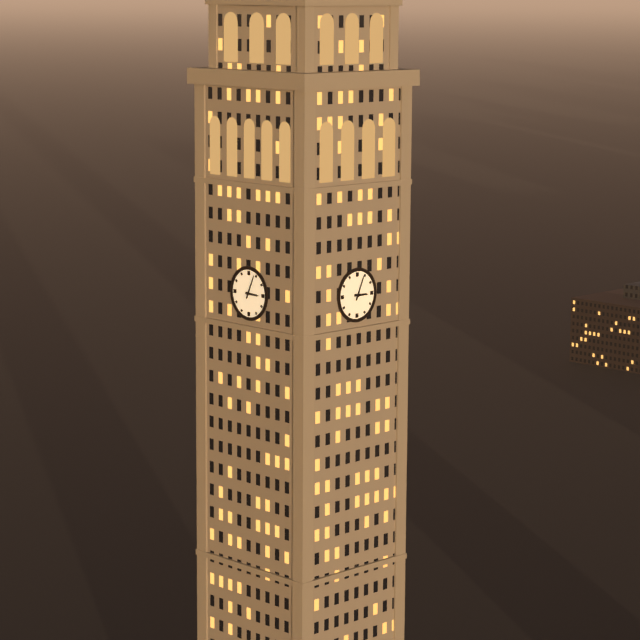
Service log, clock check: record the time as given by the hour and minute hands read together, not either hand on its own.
3:04
